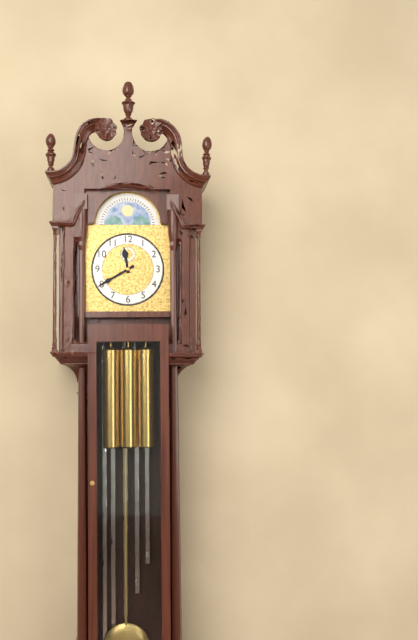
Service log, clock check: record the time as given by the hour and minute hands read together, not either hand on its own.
11:40
